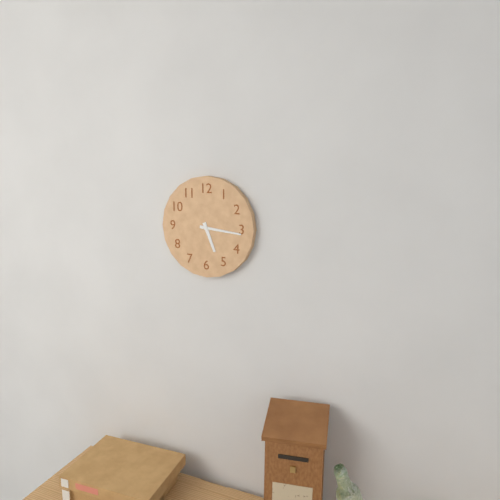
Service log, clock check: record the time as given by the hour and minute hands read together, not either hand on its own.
5:16
